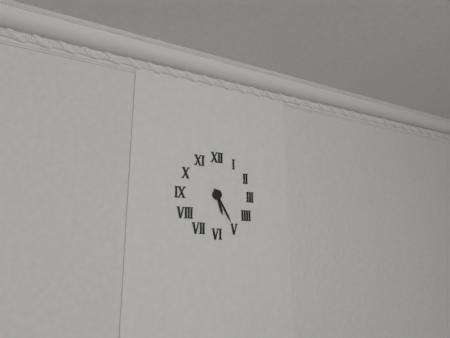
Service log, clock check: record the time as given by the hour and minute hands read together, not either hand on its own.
5:25
